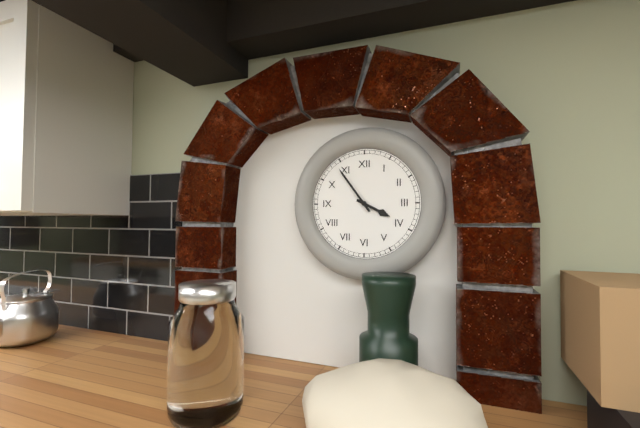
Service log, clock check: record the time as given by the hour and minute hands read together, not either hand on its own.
3:54
